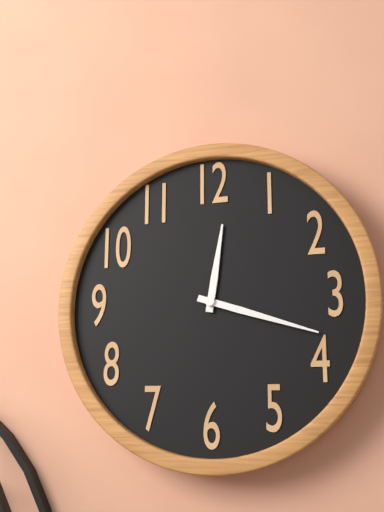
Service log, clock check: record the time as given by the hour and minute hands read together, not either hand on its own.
12:18
